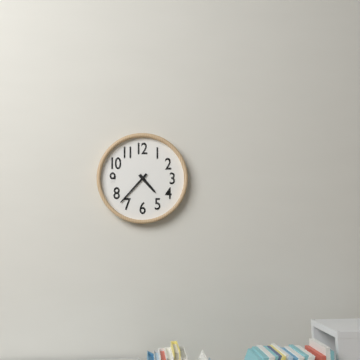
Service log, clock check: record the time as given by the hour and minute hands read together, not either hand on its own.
4:37
